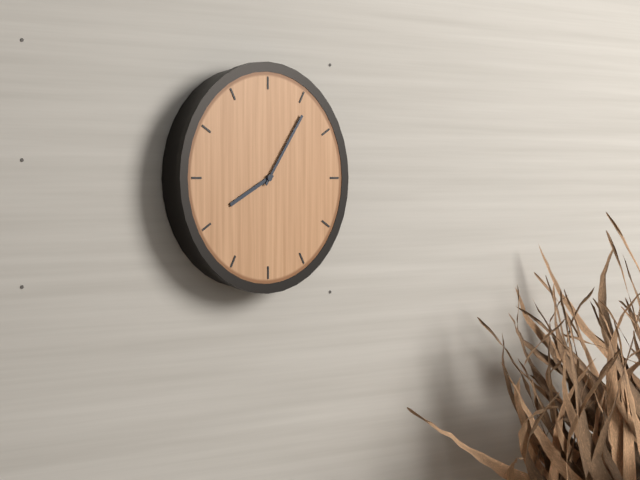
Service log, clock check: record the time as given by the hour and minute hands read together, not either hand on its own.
8:06
